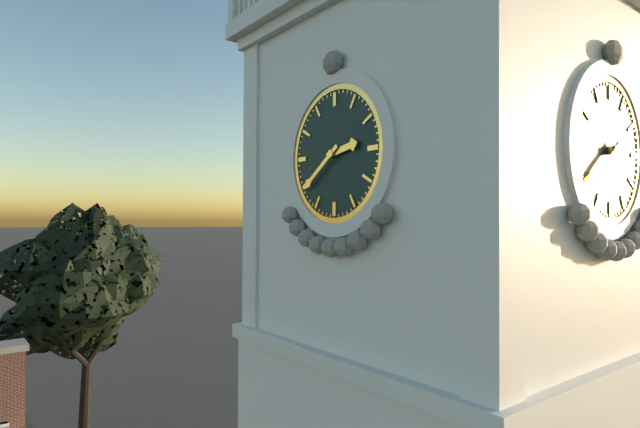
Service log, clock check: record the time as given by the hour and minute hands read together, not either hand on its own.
2:39
